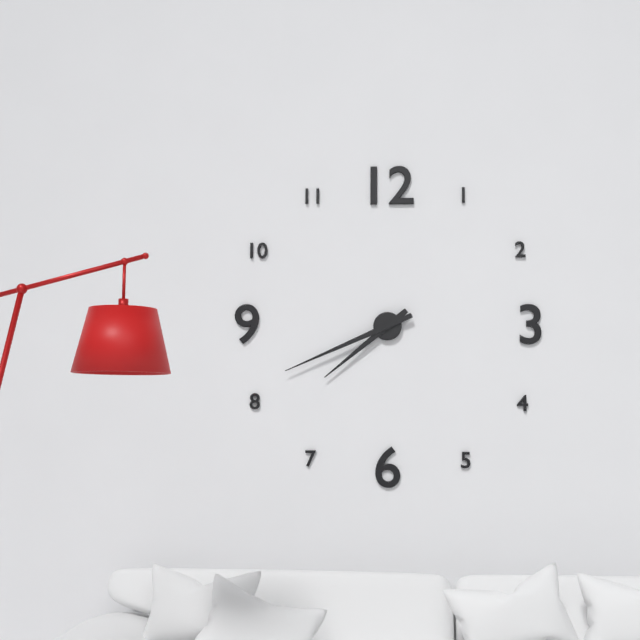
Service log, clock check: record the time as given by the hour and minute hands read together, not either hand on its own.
7:41
